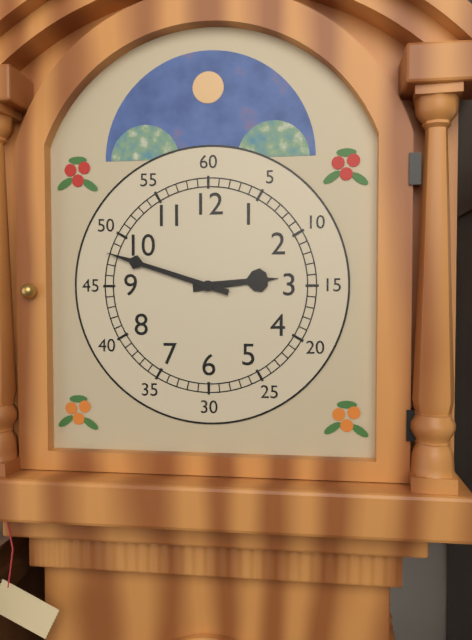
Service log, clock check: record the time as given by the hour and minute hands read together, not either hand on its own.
2:48
